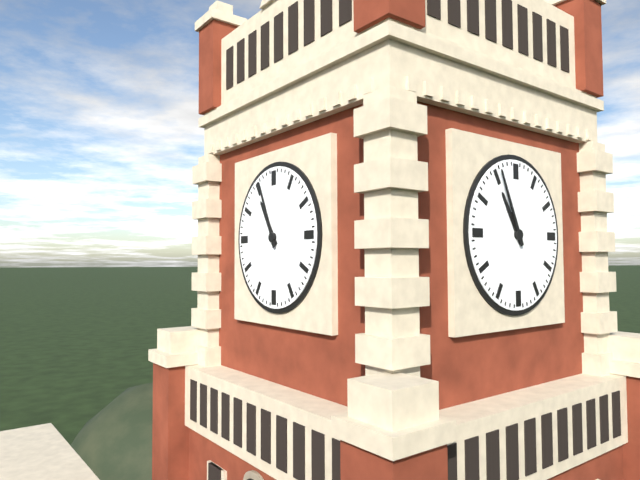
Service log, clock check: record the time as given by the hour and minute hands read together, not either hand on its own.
10:56
